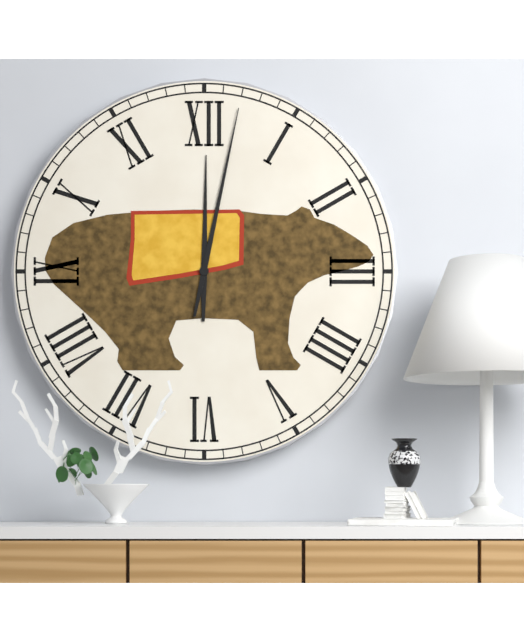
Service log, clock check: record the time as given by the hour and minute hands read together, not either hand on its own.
12:02
